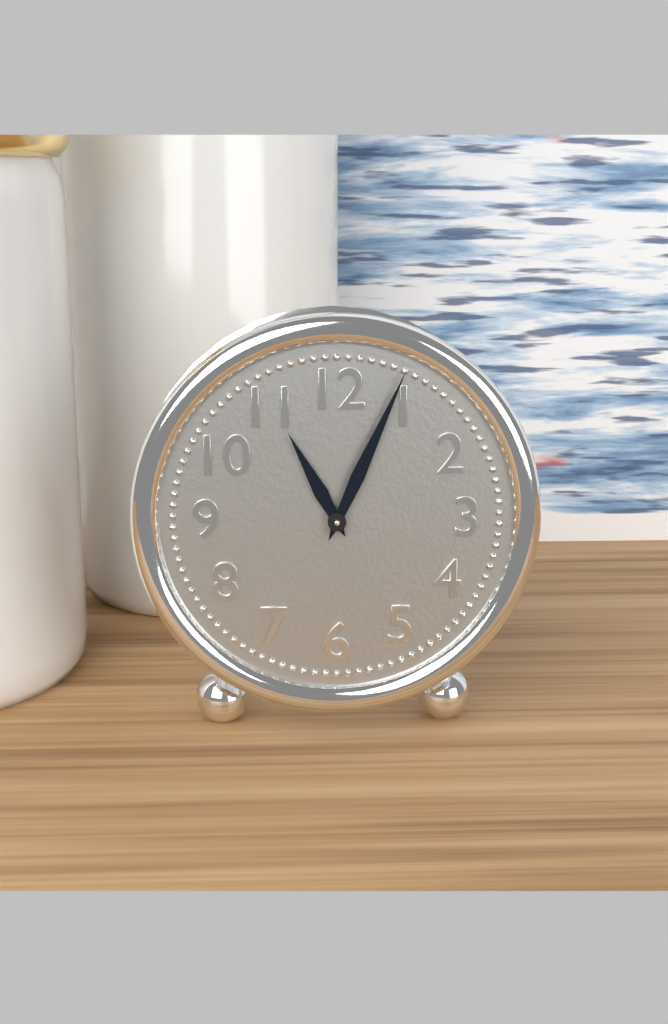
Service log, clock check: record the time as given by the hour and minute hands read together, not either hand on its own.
11:04
